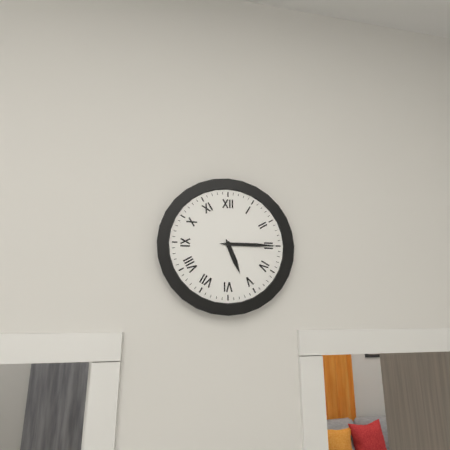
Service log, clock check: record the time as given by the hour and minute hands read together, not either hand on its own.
5:15
